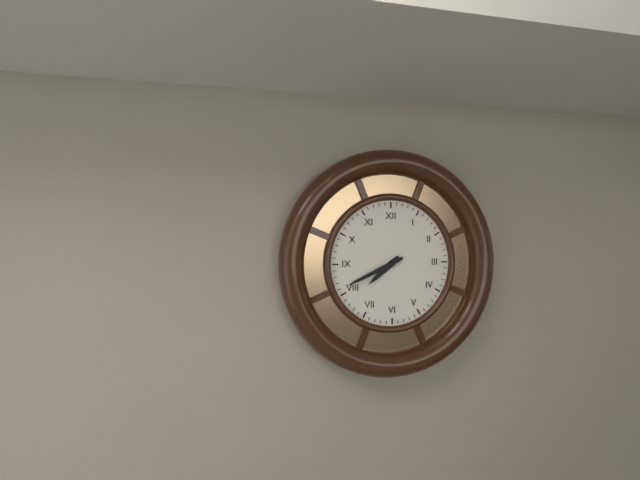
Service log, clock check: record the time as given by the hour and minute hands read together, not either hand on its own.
7:41
